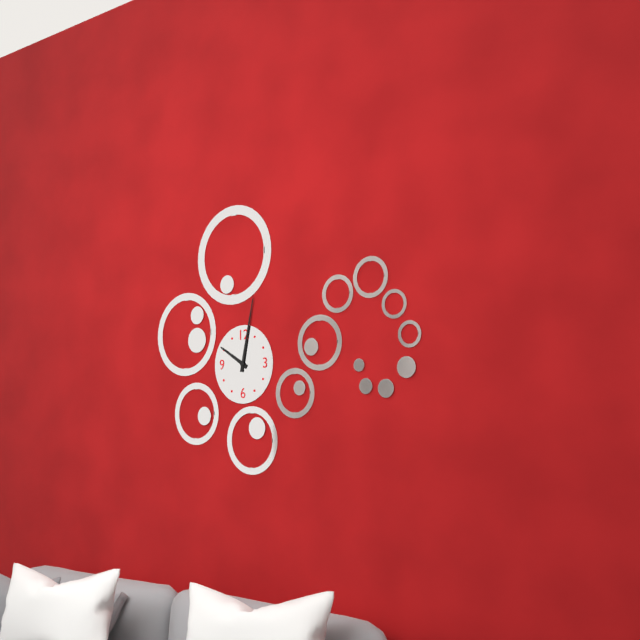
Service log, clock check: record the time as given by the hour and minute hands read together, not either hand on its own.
10:02
